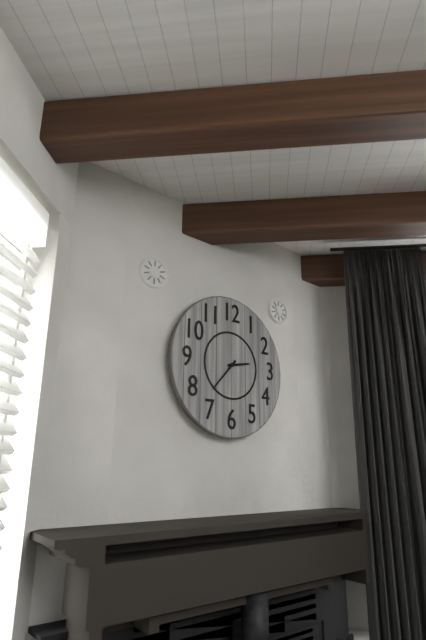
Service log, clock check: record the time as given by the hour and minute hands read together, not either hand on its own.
2:37
